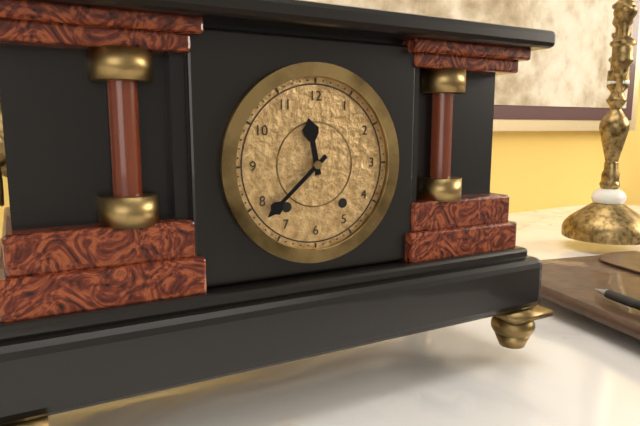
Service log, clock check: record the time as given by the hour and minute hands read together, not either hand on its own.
11:38
